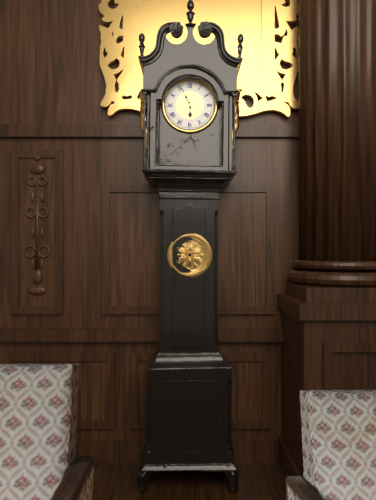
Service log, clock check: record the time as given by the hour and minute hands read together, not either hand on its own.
5:56
